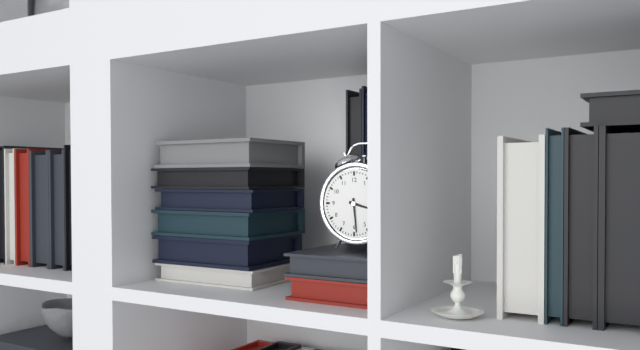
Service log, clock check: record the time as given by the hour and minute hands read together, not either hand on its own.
3:29
